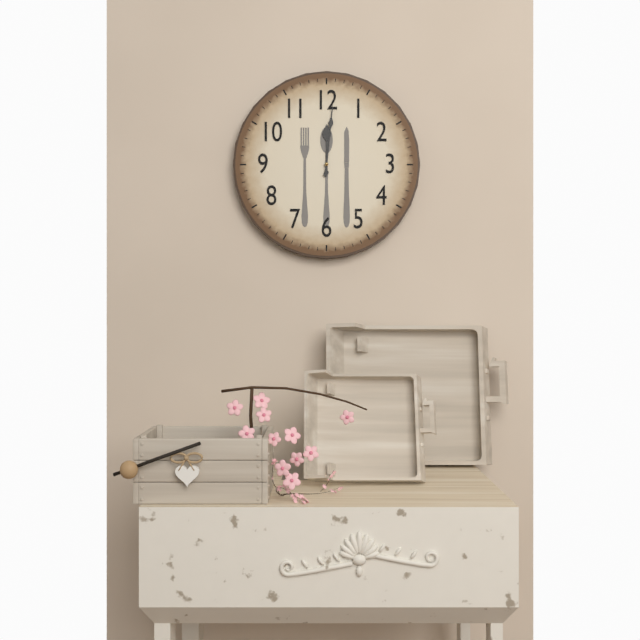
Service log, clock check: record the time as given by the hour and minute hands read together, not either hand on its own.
12:01
